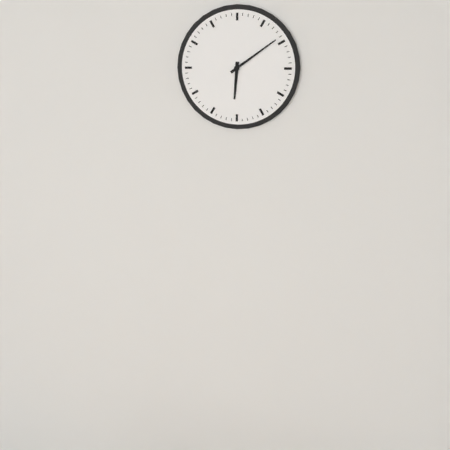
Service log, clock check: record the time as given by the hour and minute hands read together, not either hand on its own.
6:09
